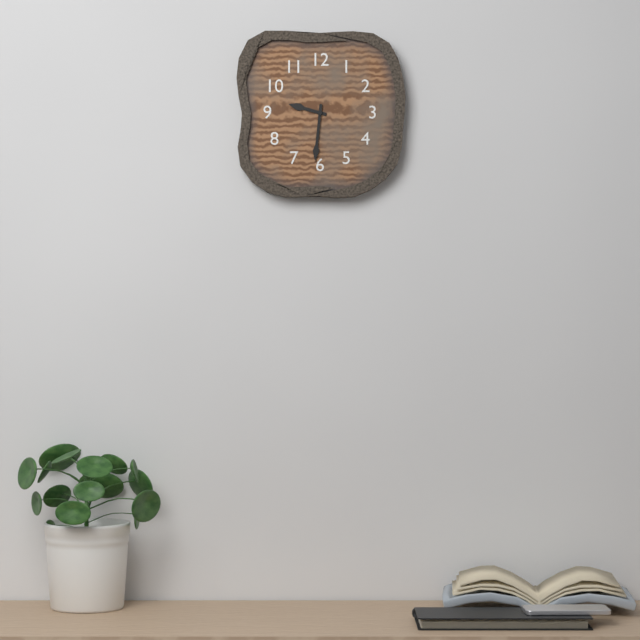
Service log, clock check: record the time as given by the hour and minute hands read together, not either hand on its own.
9:31
